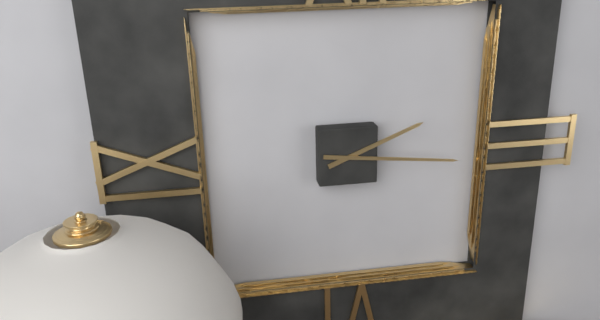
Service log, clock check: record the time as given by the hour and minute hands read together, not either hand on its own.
2:16
